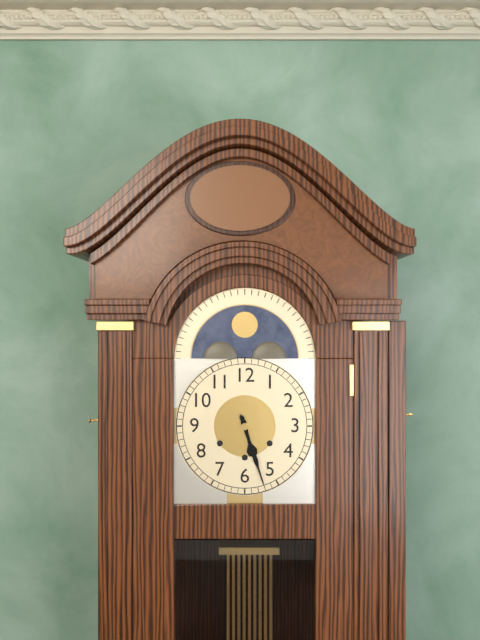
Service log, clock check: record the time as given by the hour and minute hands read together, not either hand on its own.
5:27
